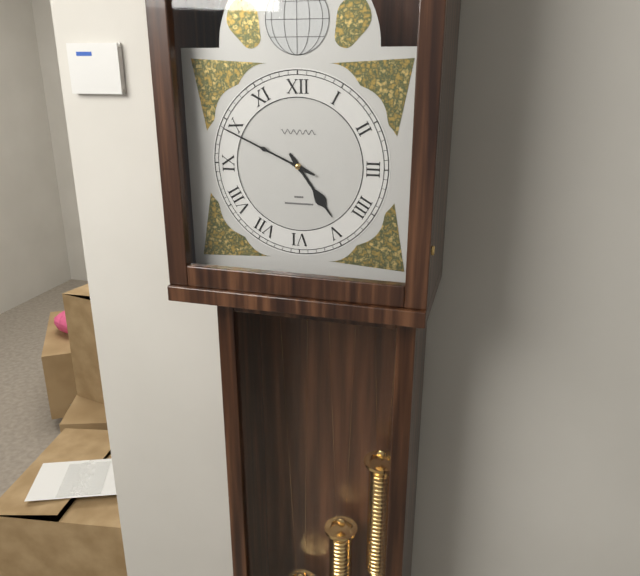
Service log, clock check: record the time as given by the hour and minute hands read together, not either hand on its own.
4:49
